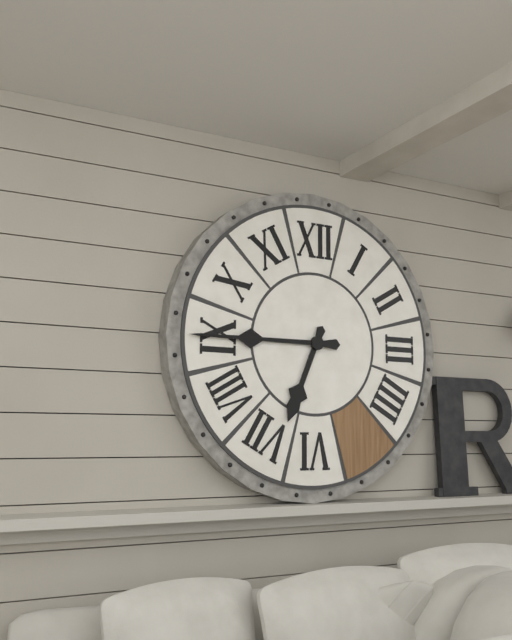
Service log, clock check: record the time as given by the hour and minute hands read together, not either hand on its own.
6:45
